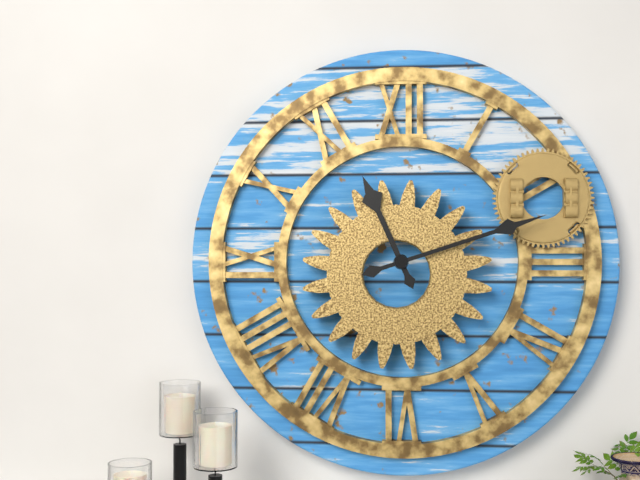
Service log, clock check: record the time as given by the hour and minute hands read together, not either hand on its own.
11:12
